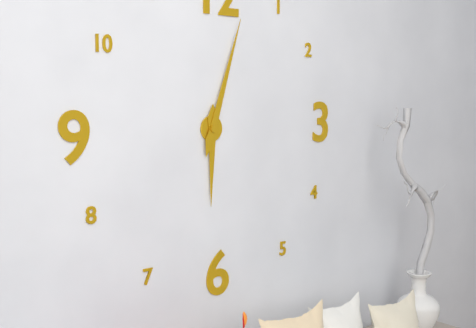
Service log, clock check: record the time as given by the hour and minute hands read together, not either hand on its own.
6:03
